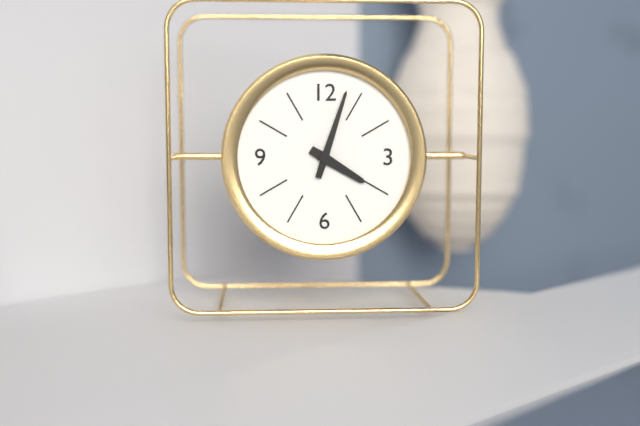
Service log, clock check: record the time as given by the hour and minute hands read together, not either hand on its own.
4:03
